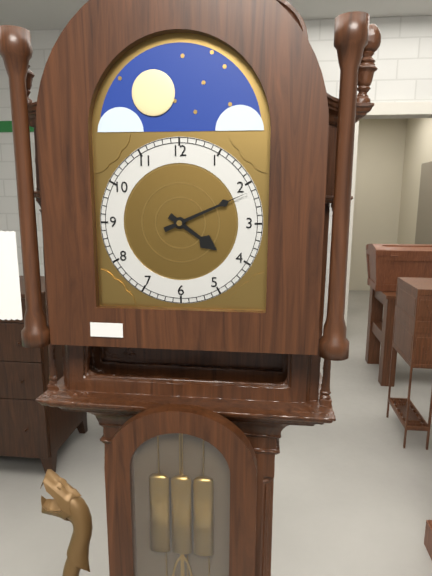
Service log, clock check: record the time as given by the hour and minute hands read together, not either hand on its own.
4:11
